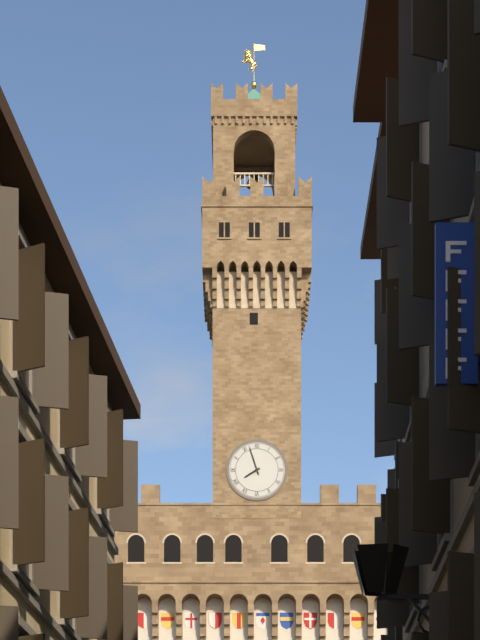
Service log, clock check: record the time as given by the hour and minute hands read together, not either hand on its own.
7:57
